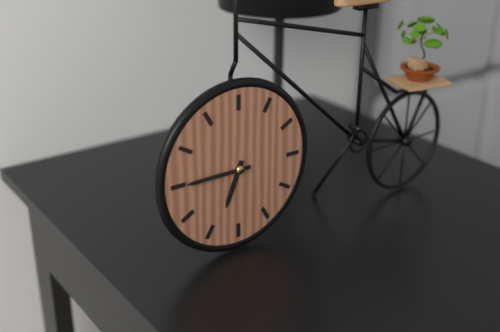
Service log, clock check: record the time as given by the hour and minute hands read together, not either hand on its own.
6:45
